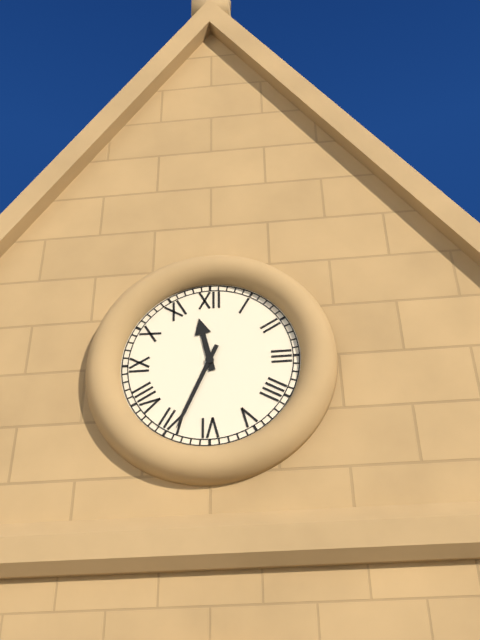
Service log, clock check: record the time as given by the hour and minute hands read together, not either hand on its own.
11:34
